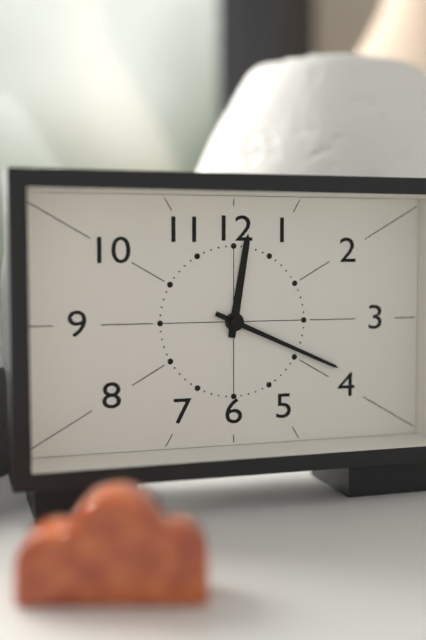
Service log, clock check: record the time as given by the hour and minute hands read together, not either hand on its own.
12:19
